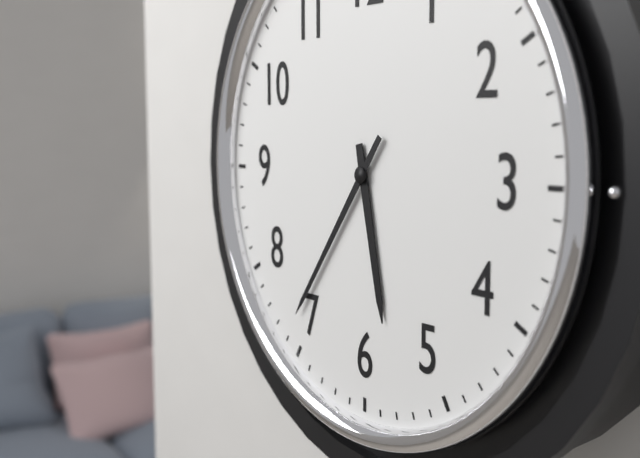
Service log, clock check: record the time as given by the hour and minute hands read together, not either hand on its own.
5:36
